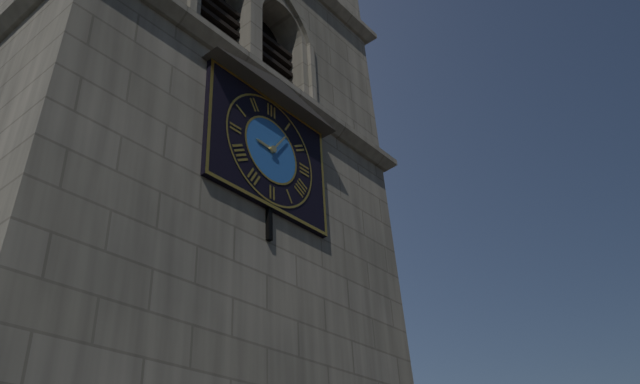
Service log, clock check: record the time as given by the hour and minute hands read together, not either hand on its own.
9:06
